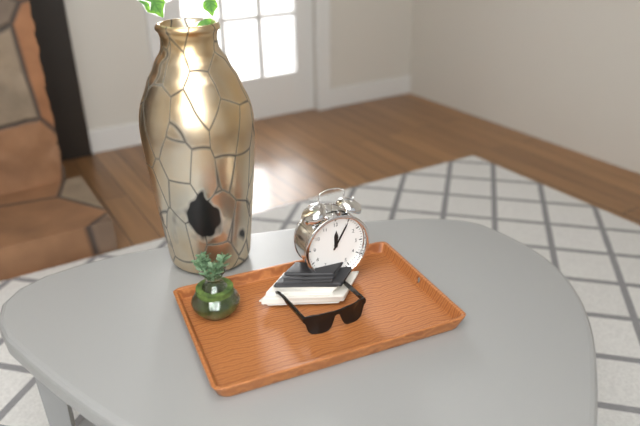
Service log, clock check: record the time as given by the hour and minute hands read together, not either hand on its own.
12:05
